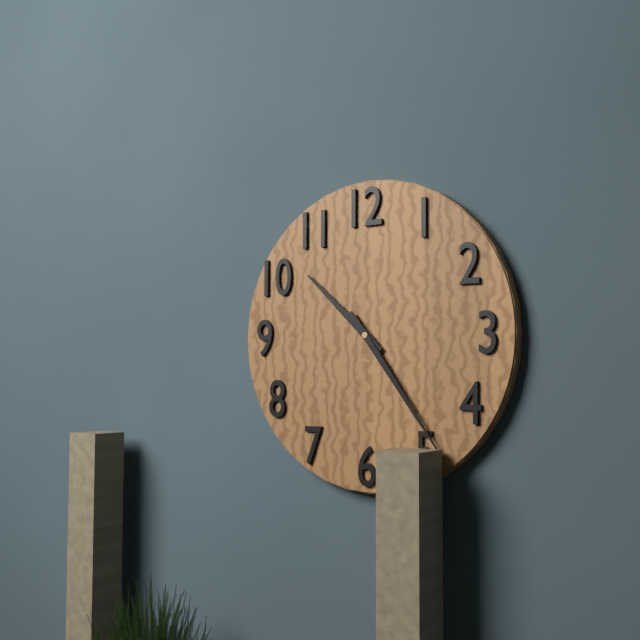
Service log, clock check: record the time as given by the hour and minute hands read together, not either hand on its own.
10:24
